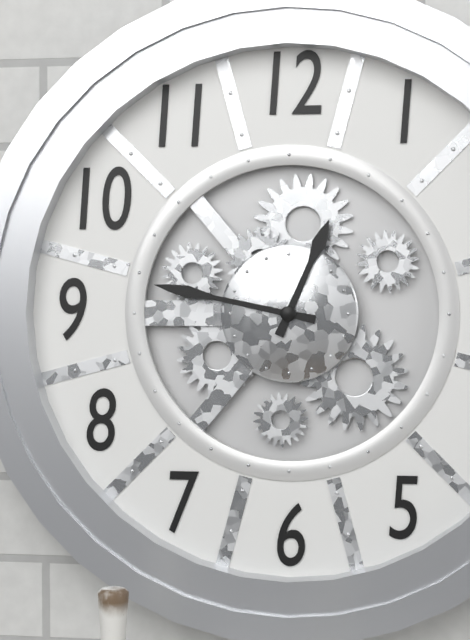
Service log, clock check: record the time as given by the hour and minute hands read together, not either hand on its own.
12:47
